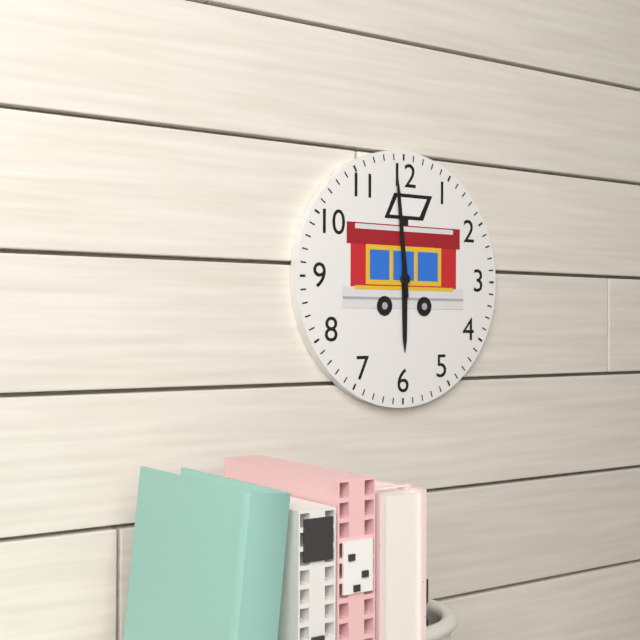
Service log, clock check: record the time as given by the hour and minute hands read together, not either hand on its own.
5:59
